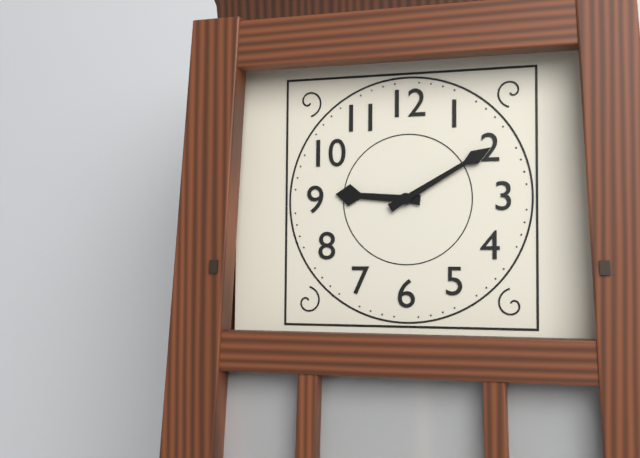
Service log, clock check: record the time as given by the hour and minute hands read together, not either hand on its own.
9:10
